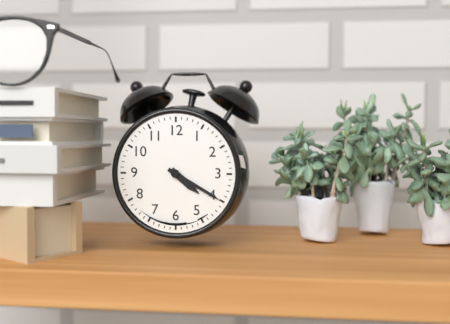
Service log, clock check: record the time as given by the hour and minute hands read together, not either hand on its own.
4:20
